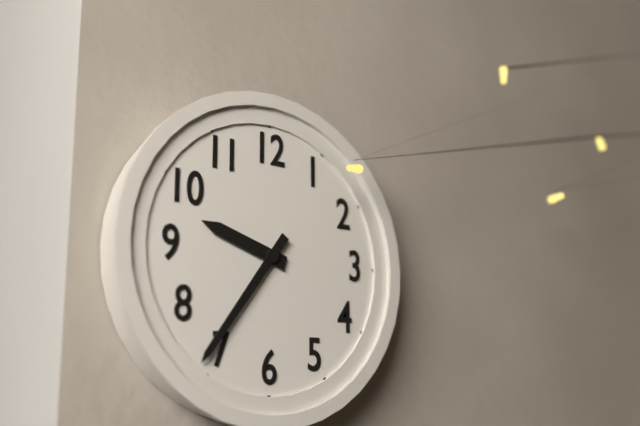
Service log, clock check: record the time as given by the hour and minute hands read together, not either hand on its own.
9:36
